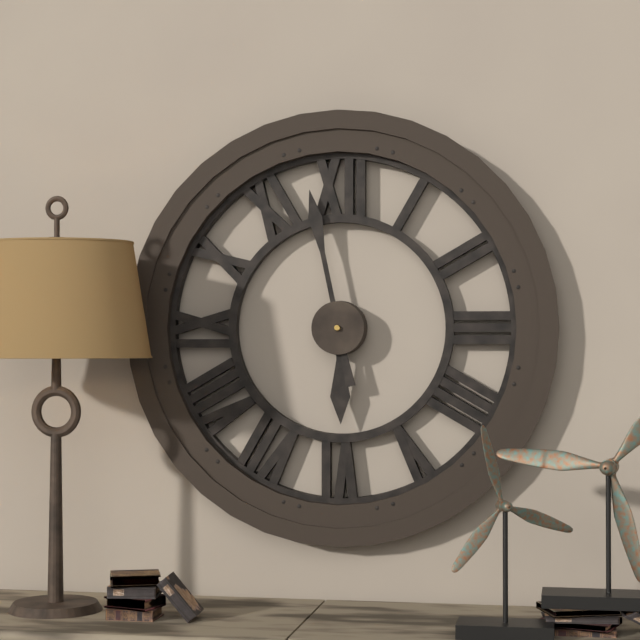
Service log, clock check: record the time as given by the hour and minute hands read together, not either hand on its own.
5:58
